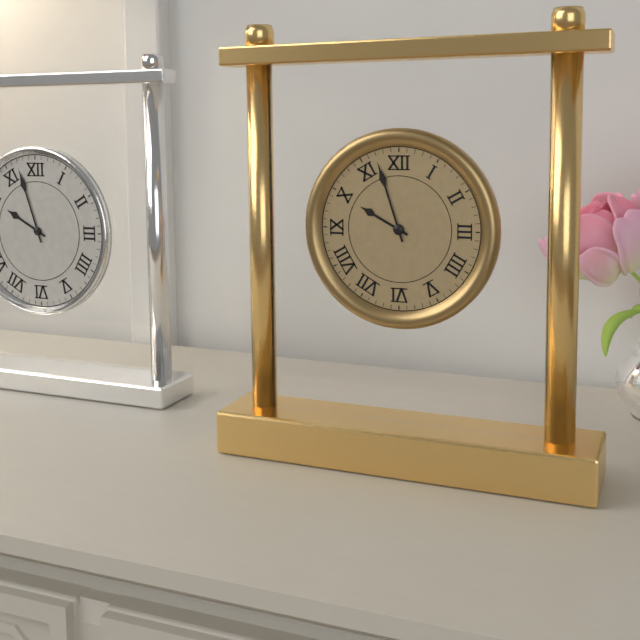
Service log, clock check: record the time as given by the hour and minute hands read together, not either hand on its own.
9:57
